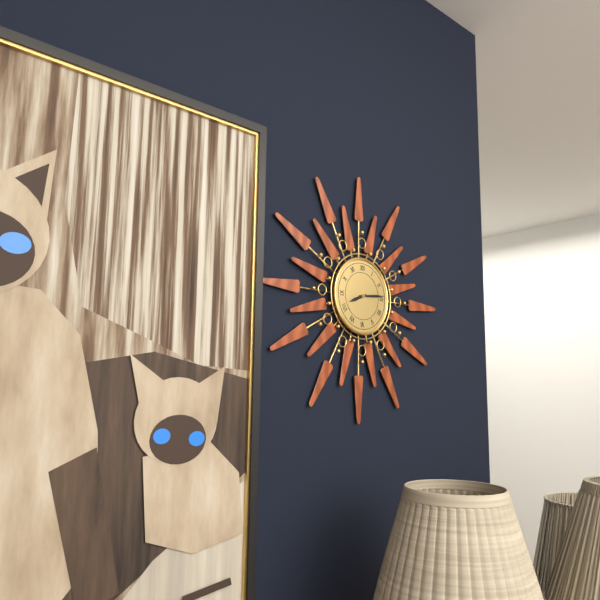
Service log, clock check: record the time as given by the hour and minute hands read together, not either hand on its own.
8:14
